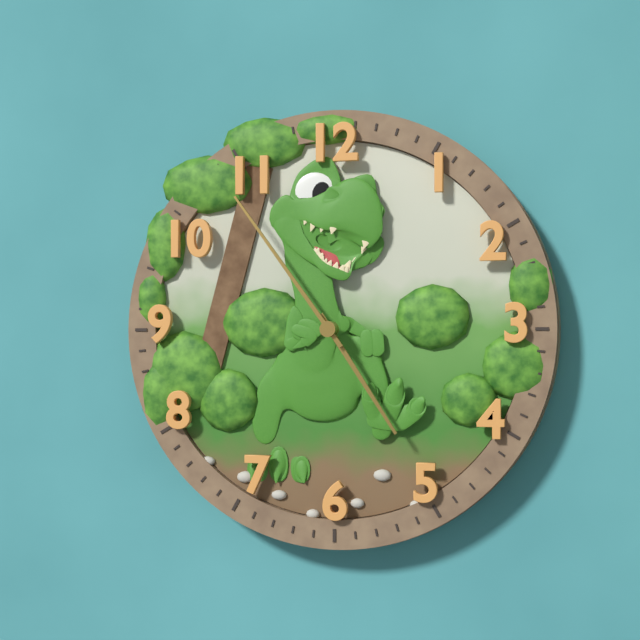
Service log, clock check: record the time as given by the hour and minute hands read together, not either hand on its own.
4:54
